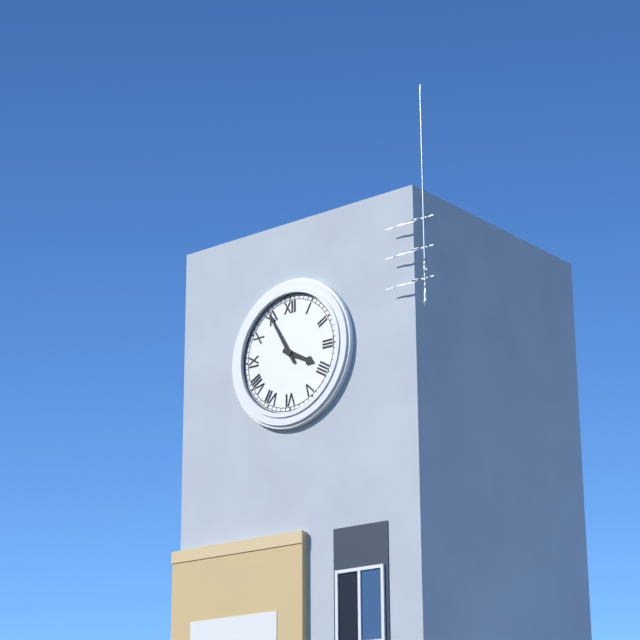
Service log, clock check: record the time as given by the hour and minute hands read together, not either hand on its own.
3:55
